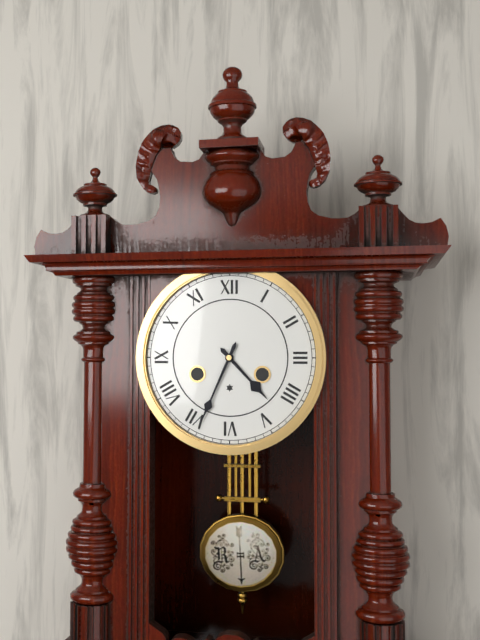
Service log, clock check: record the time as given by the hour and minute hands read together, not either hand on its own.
4:34
